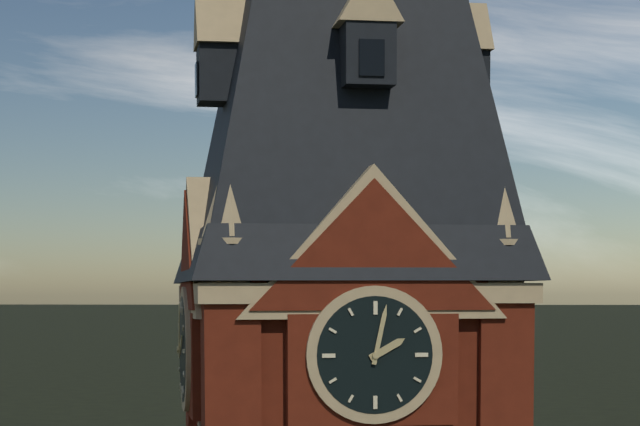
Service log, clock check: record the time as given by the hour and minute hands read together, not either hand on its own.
2:02
